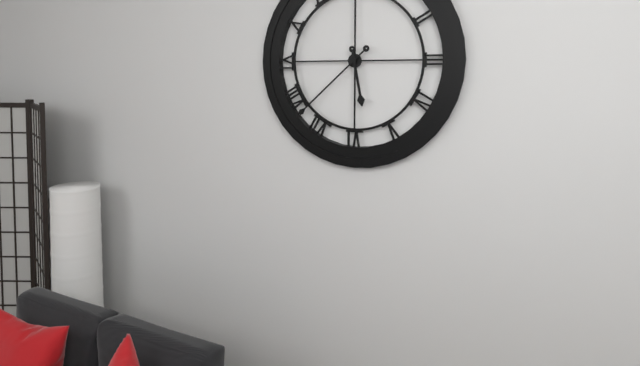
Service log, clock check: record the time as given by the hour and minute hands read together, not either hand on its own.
5:38
